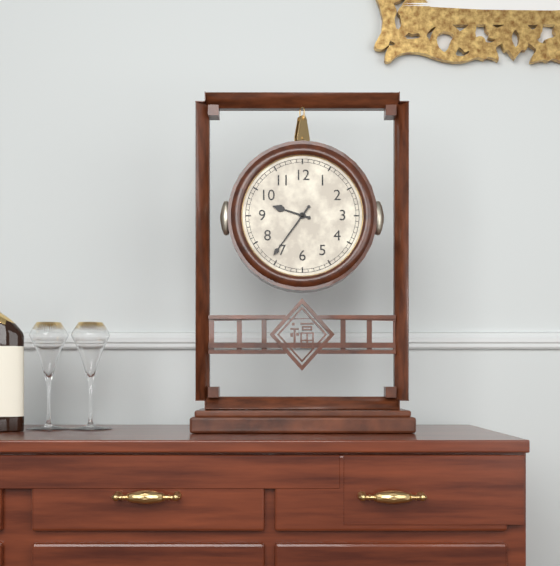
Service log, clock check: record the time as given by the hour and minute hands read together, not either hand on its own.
9:36
